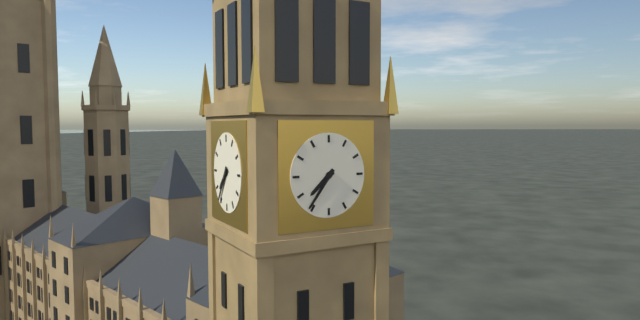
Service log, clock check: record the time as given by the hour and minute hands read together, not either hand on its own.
7:36
